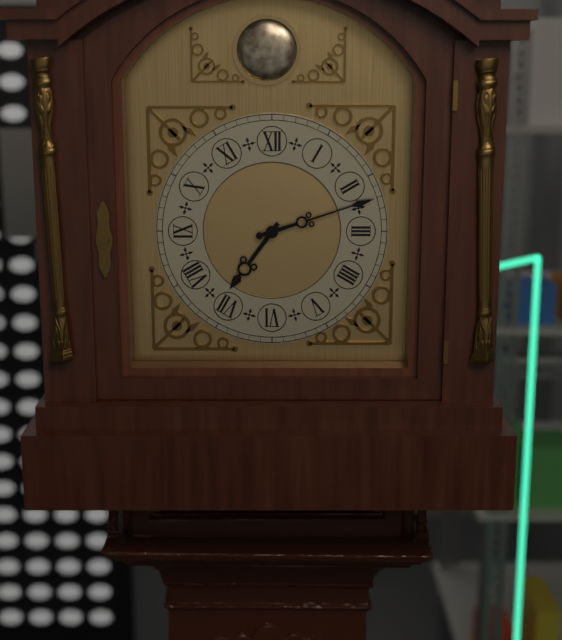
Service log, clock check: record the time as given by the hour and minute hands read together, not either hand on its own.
7:12
